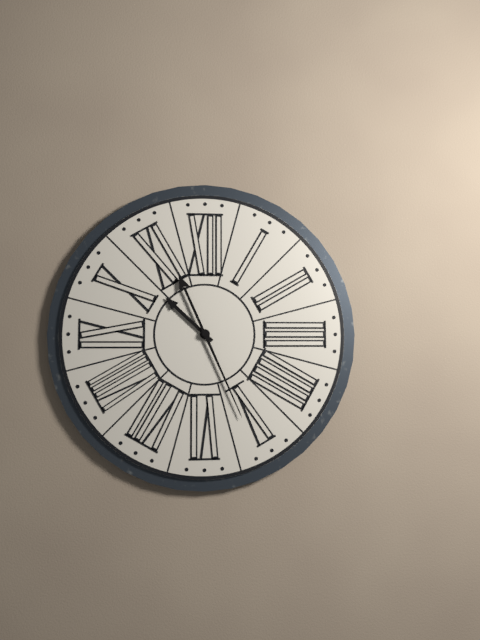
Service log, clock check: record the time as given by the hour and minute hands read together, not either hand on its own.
10:26
